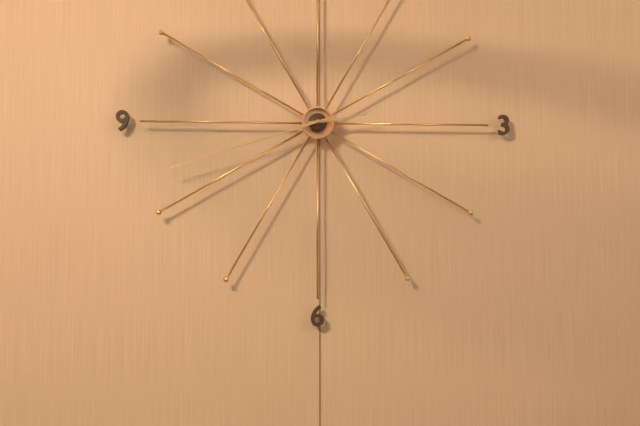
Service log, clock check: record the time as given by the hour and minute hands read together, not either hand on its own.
2:42
